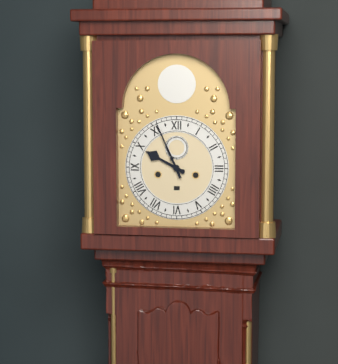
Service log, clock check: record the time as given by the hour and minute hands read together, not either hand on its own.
9:56
